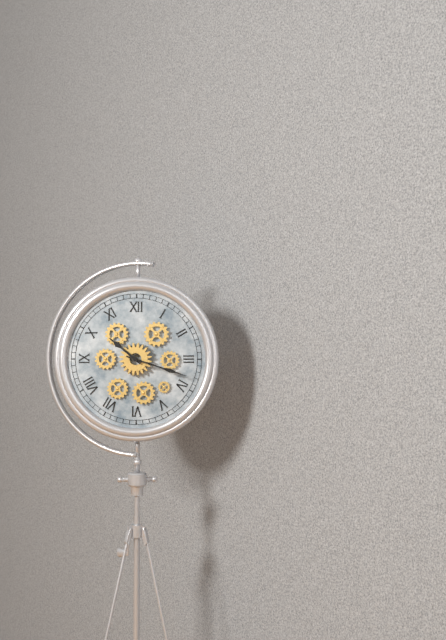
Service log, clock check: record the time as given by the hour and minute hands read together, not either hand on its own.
10:18
